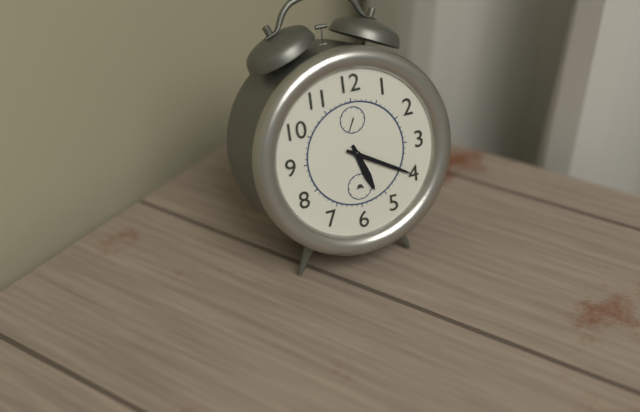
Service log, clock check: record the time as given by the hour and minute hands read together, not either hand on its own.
5:20
